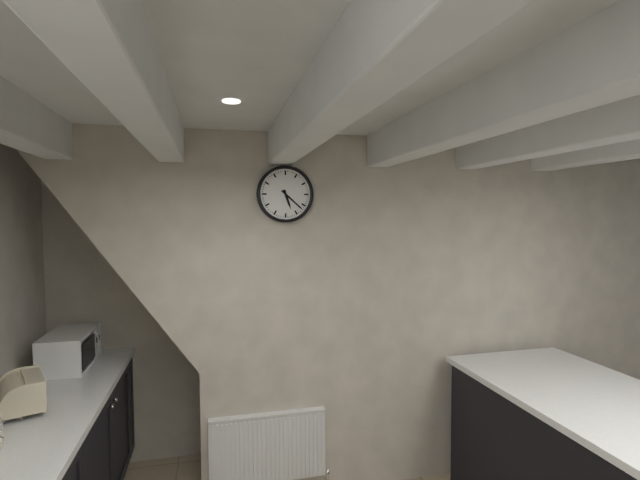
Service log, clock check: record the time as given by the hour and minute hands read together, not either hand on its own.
5:22
